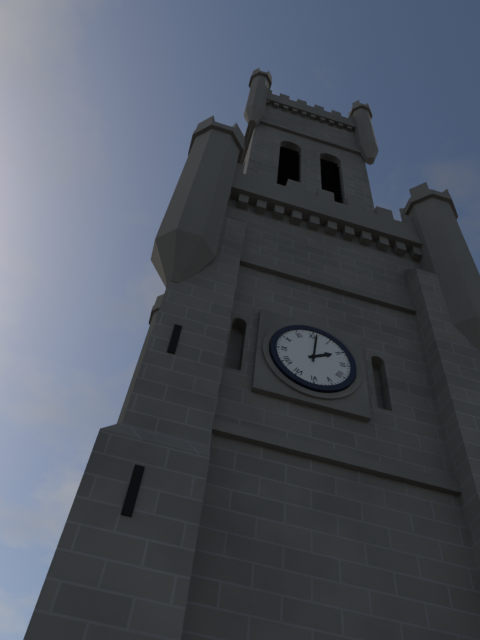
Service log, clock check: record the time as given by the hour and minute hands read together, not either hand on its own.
2:01
